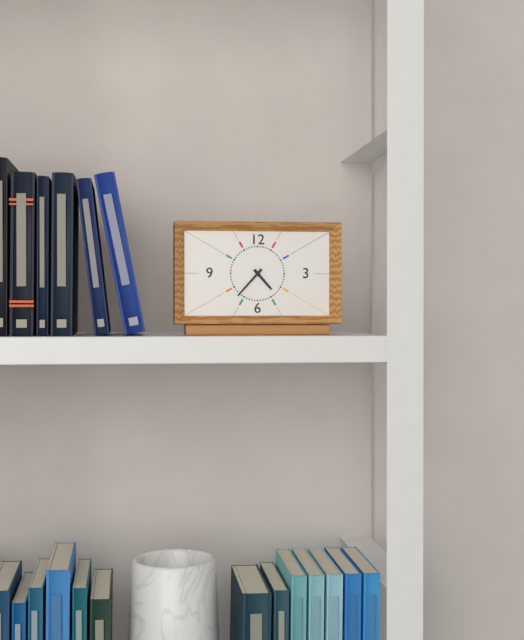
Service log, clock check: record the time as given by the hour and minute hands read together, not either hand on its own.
4:37
